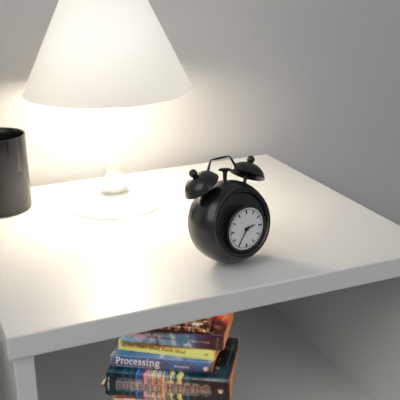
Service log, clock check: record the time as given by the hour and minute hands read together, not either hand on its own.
2:36
